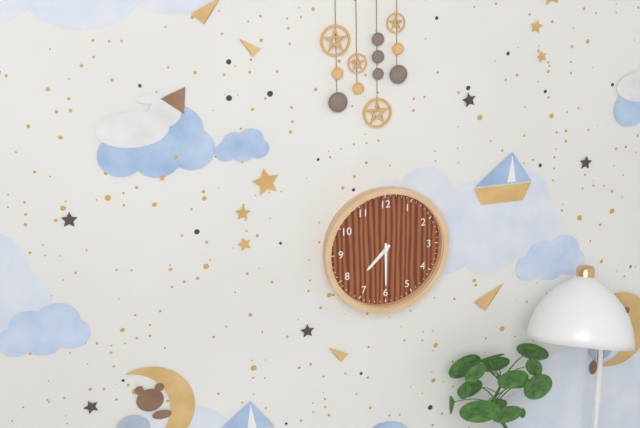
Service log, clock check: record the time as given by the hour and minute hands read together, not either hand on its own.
7:30
